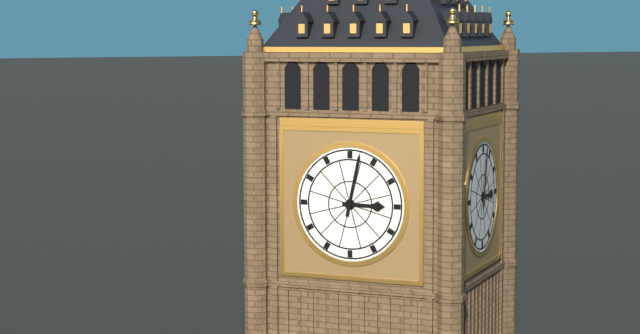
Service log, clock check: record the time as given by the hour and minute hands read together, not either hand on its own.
3:02
